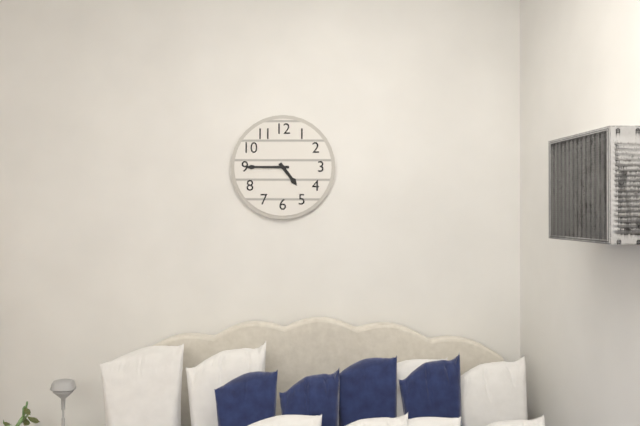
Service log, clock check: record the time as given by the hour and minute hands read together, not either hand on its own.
4:45
